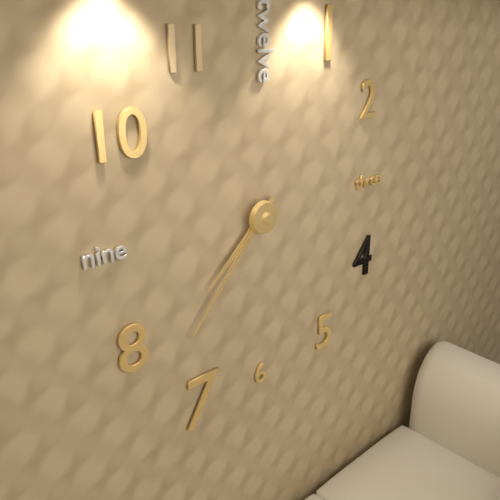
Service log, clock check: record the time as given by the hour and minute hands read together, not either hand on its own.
7:37
